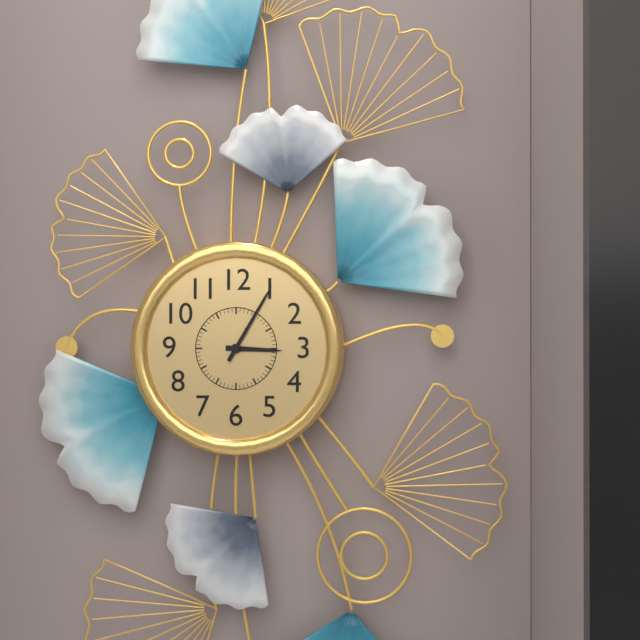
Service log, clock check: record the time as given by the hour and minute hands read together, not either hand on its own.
3:05
